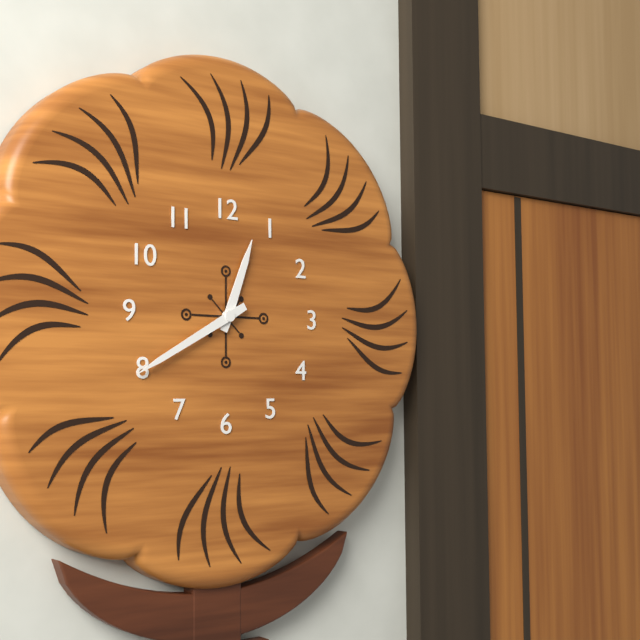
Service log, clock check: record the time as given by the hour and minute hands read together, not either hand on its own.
12:40
